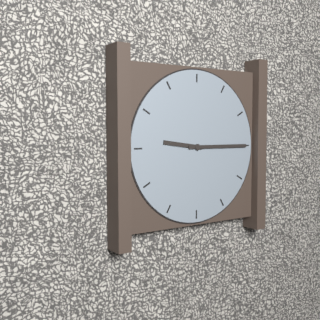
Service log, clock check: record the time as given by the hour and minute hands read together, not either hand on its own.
9:15
